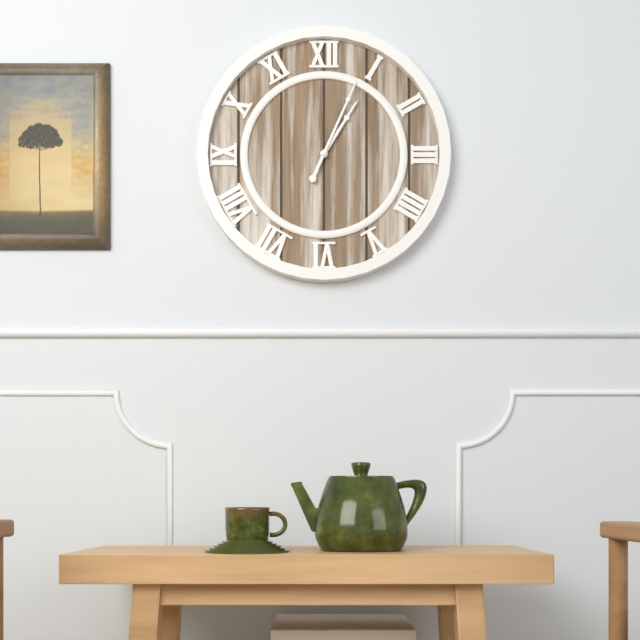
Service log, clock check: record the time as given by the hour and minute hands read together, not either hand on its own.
1:04
